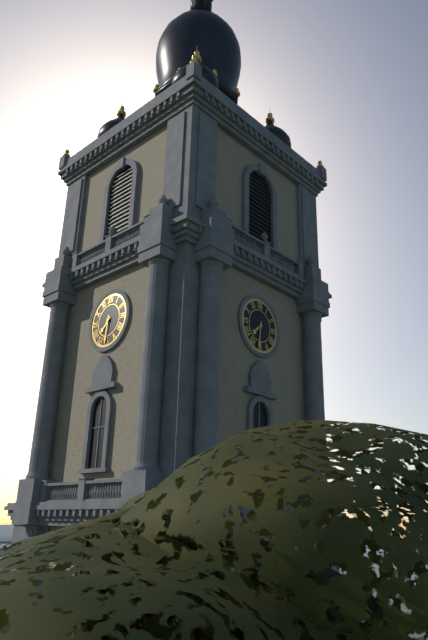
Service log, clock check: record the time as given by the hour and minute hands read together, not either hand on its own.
7:31
